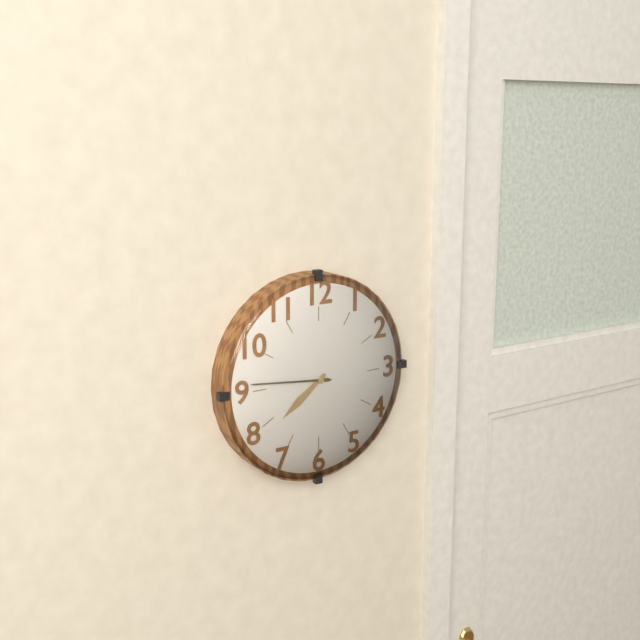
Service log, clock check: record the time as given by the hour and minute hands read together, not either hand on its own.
7:46
